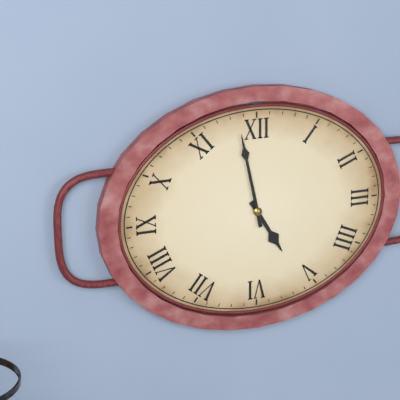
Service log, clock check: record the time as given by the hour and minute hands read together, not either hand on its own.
4:58
